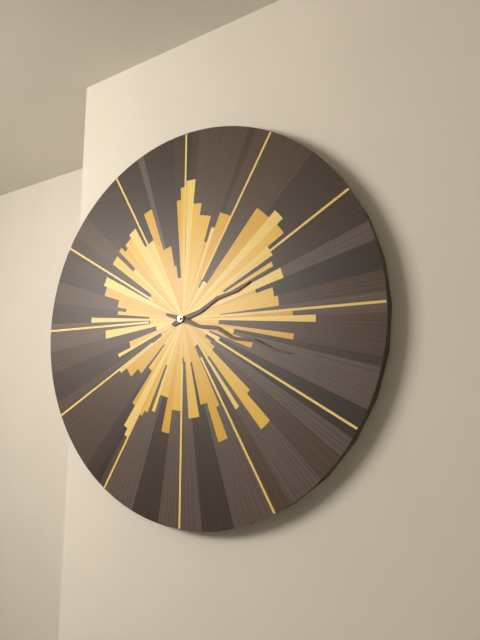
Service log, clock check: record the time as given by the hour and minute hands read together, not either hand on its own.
2:18
